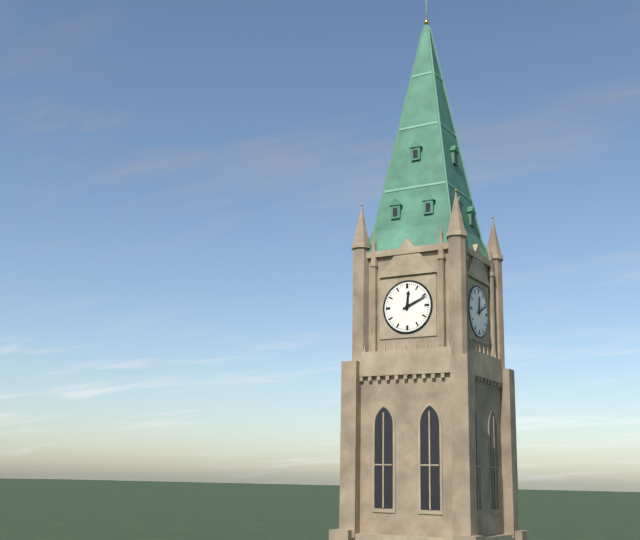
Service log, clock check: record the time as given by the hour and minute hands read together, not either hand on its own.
12:11
